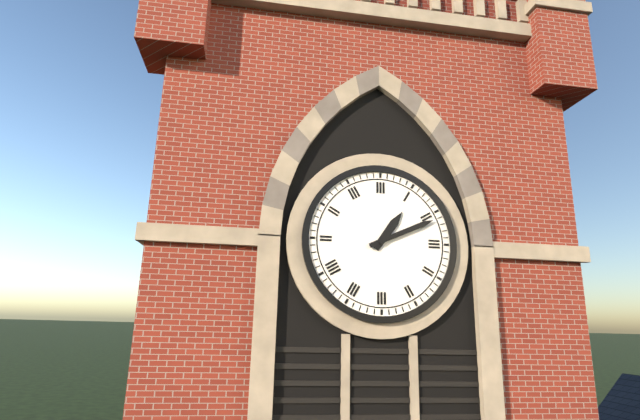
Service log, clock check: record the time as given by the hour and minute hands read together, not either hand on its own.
1:11
